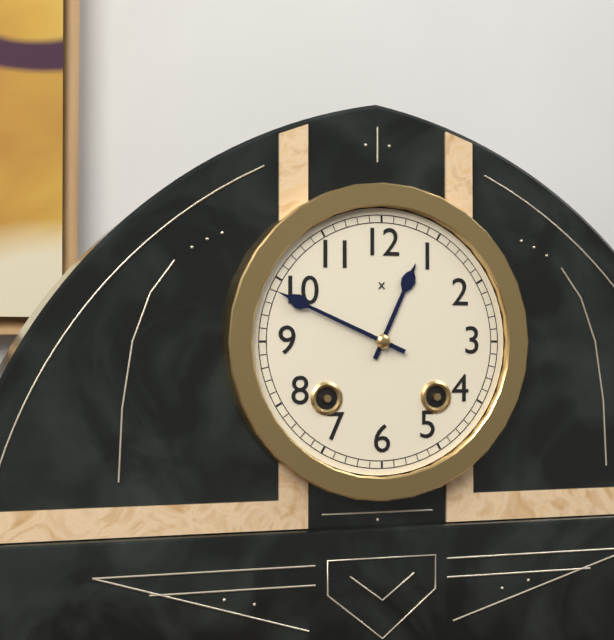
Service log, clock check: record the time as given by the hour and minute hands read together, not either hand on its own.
12:49
